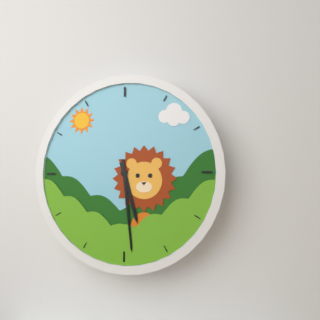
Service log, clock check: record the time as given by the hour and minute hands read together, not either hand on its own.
5:29
